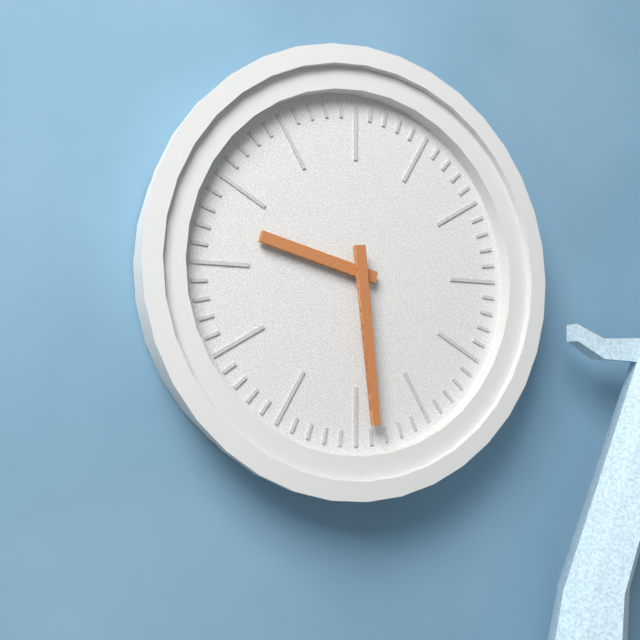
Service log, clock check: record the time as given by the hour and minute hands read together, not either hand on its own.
9:29
